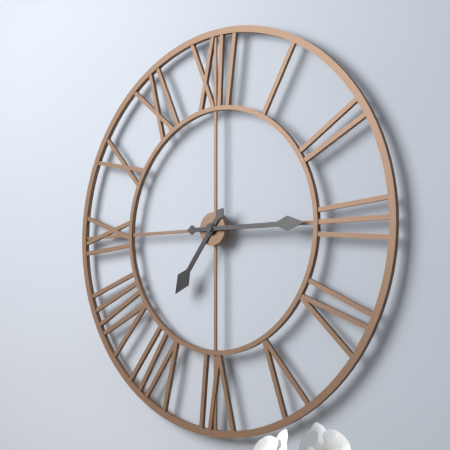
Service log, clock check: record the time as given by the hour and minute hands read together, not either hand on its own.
7:15
